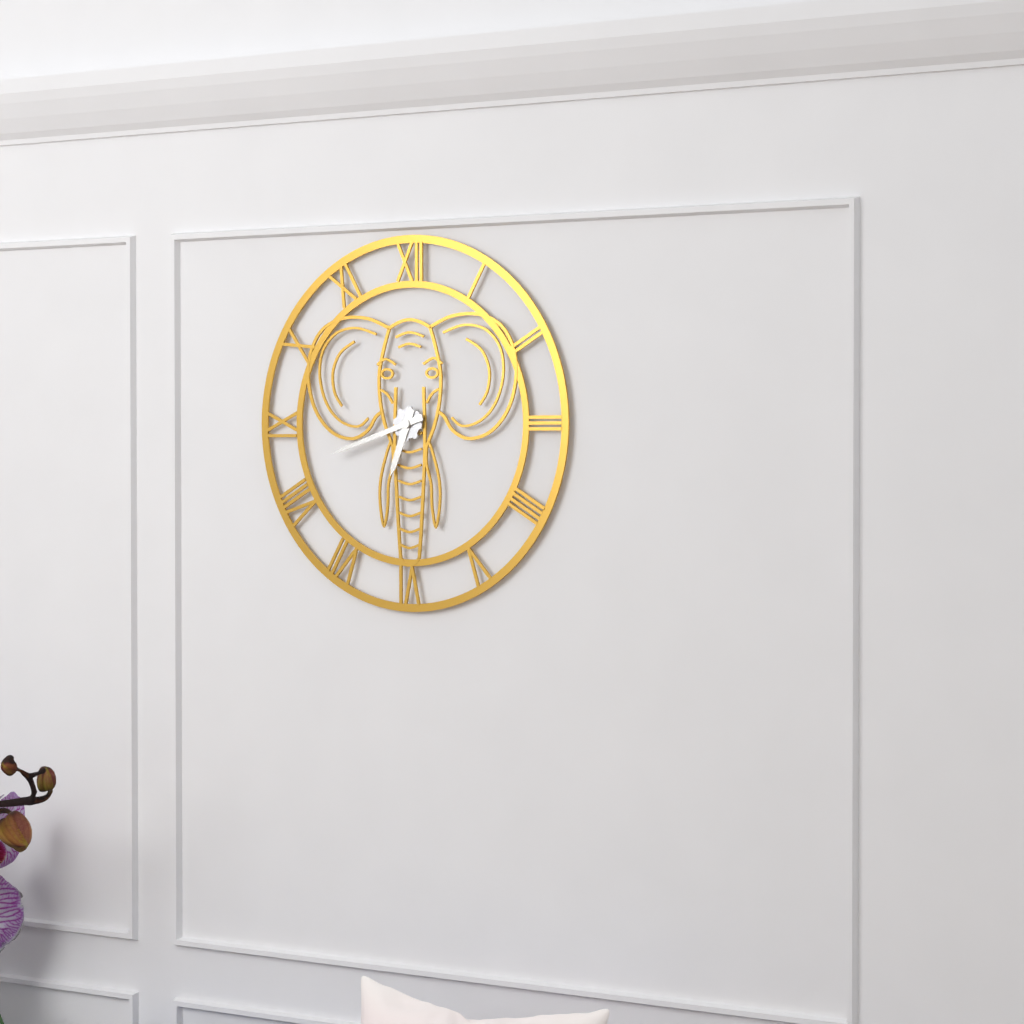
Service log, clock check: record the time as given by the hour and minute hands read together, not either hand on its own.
6:42
